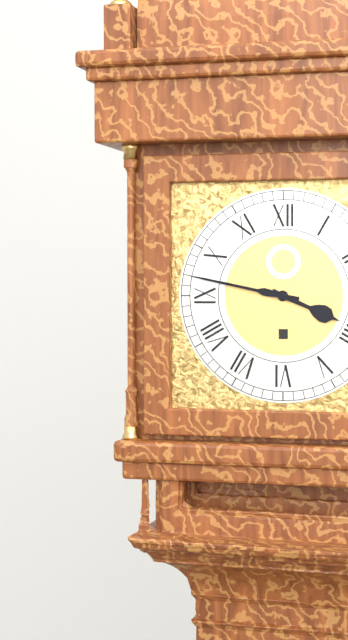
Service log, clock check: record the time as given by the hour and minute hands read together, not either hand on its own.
3:47
